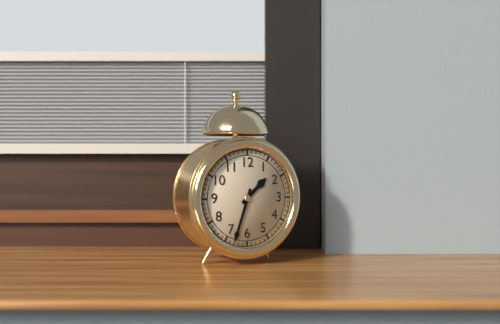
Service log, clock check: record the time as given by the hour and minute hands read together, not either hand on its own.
1:33
